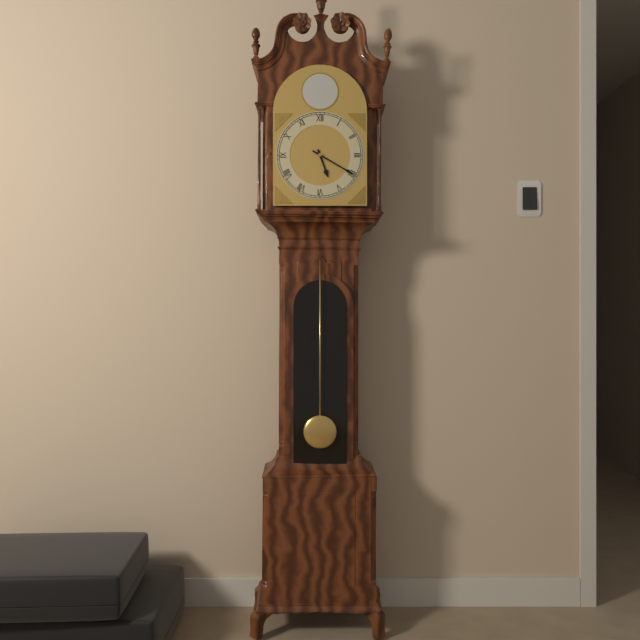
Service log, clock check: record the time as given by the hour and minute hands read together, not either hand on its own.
5:20
